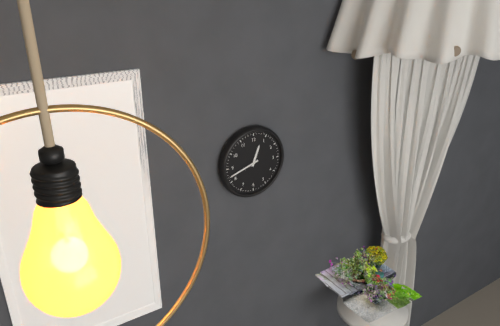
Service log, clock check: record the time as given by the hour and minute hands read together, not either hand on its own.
12:42
